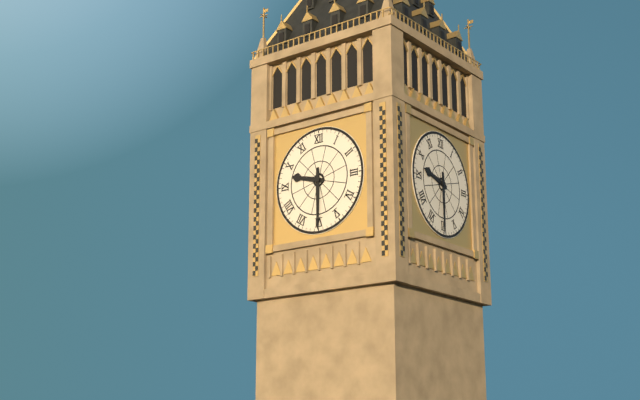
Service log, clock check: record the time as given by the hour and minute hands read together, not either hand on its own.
9:30
